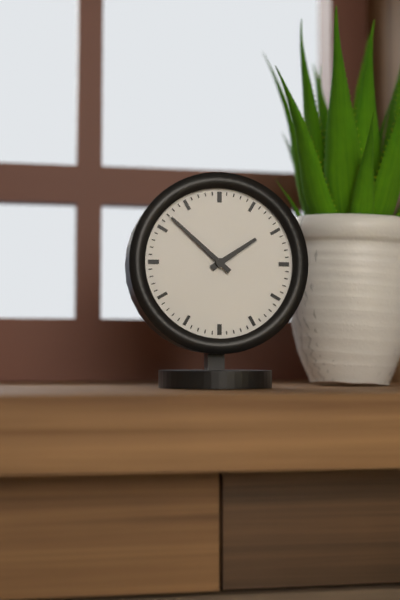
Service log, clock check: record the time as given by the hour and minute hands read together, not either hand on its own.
1:52
